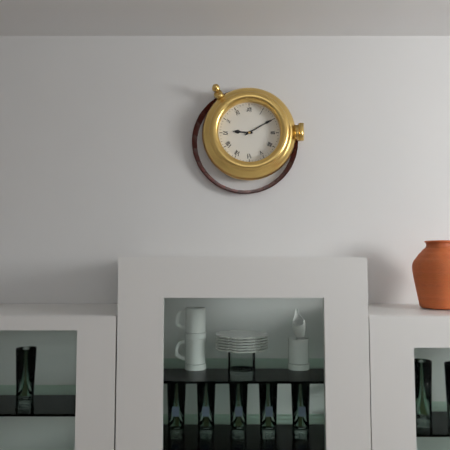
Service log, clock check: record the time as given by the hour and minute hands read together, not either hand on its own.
9:10
